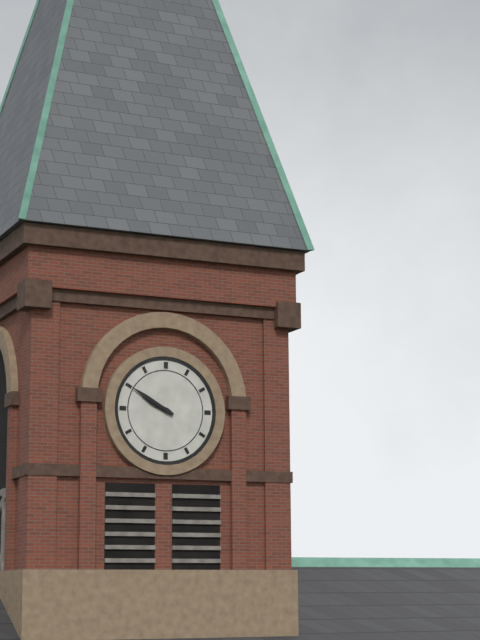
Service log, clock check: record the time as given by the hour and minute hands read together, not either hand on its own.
9:50
